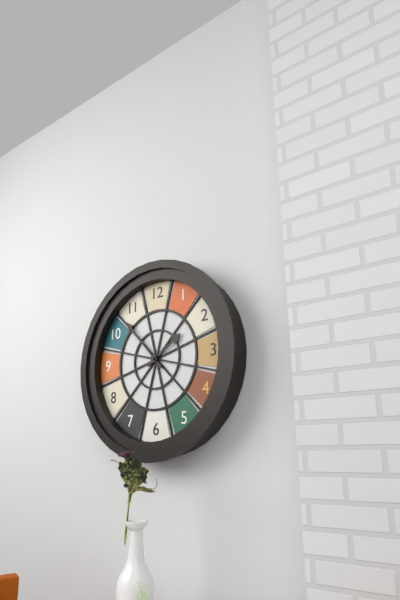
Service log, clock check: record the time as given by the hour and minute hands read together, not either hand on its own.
1:53
